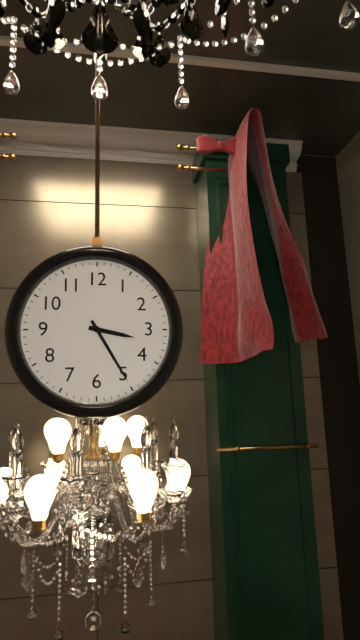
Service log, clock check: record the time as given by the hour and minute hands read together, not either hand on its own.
3:25
